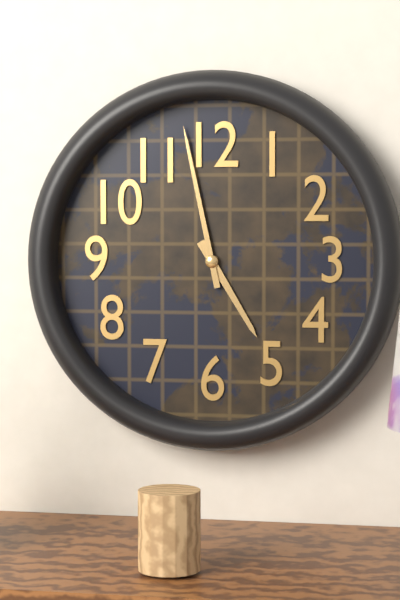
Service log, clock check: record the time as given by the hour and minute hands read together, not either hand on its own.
4:58
